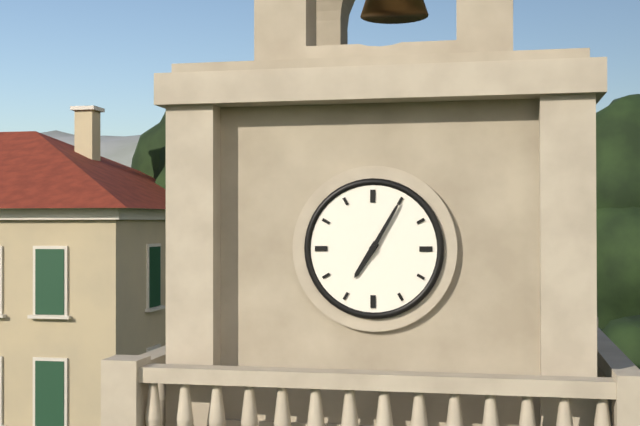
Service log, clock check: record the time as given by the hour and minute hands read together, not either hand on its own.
7:05
